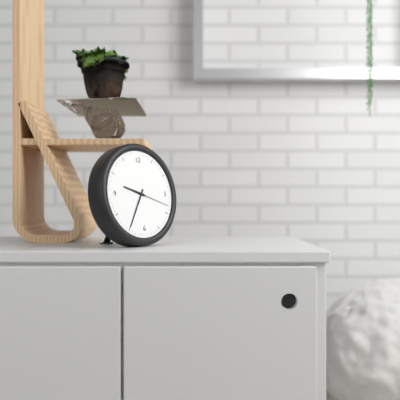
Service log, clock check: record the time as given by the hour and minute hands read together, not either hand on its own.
9:35
